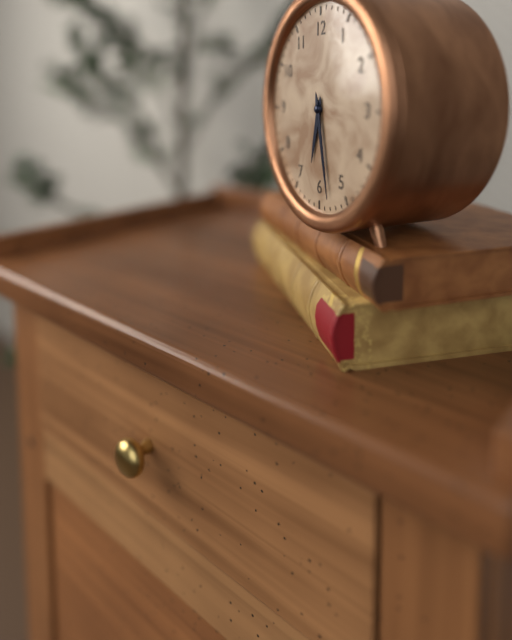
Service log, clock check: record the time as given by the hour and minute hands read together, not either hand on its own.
6:28
